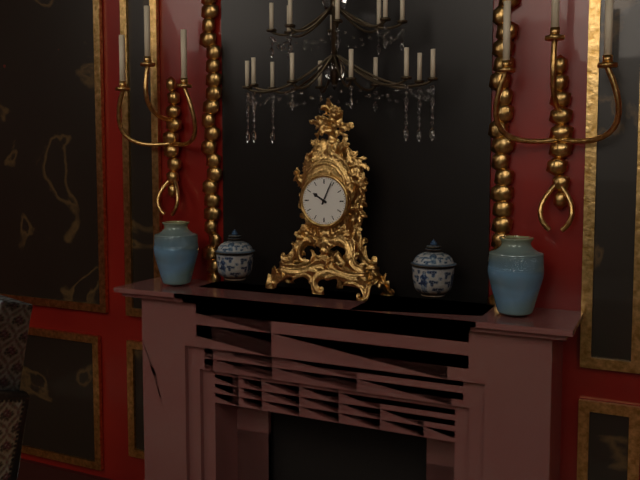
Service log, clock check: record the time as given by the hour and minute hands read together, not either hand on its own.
10:04
